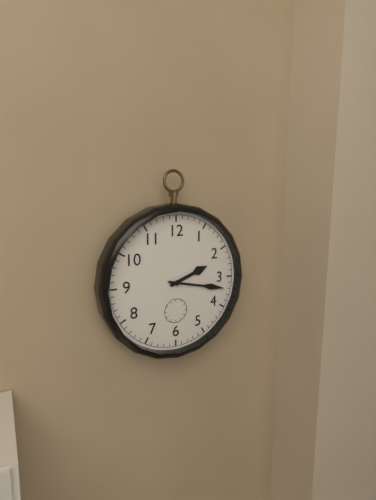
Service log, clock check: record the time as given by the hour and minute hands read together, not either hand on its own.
2:17
